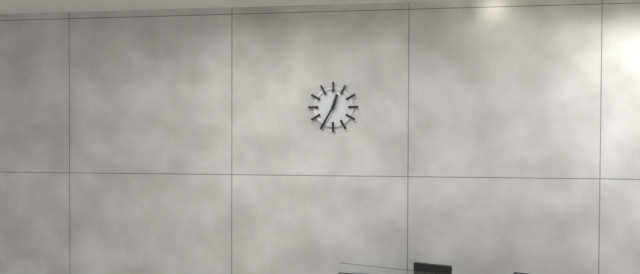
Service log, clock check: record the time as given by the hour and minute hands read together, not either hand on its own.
12:35
